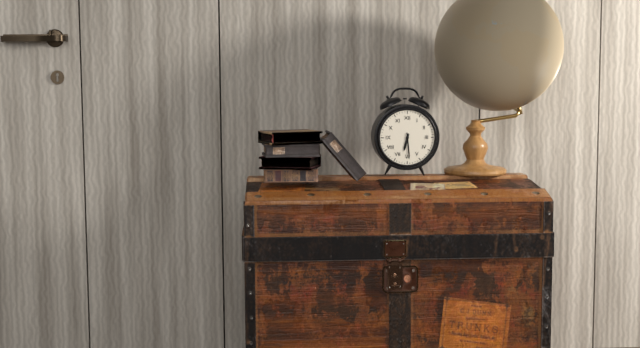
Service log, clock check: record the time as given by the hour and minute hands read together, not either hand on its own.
6:29
